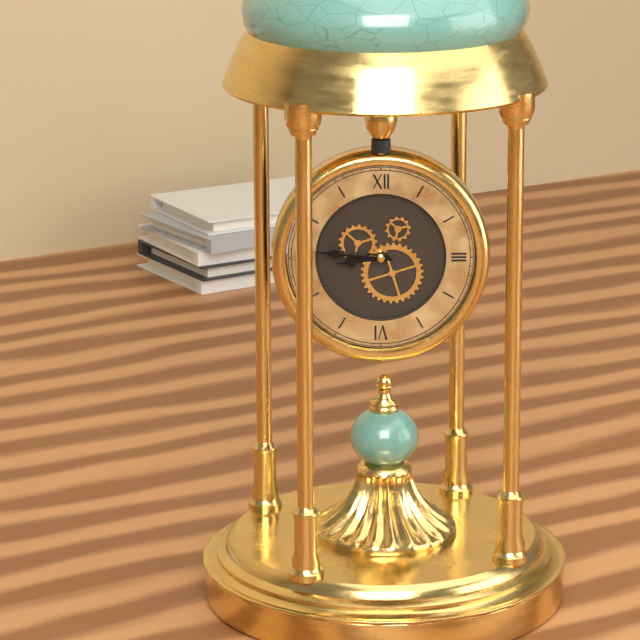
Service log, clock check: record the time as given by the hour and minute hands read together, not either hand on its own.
8:46
